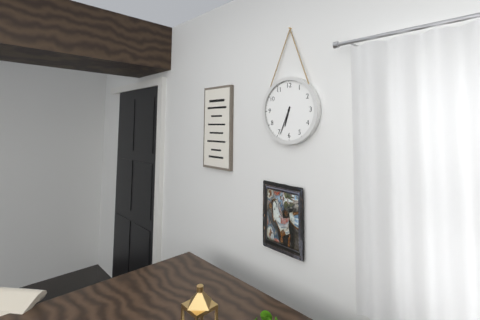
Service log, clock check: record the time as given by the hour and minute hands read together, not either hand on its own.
6:34
